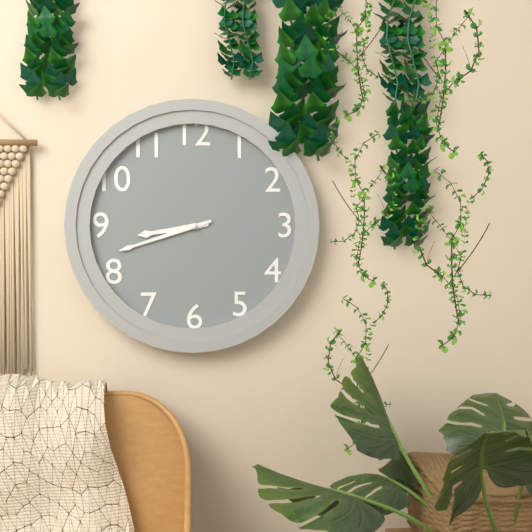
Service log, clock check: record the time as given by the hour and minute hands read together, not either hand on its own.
8:42
